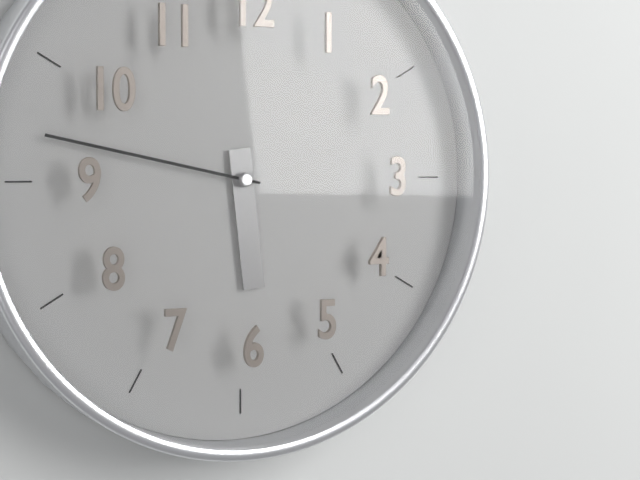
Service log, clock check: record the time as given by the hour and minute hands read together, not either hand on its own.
5:47
